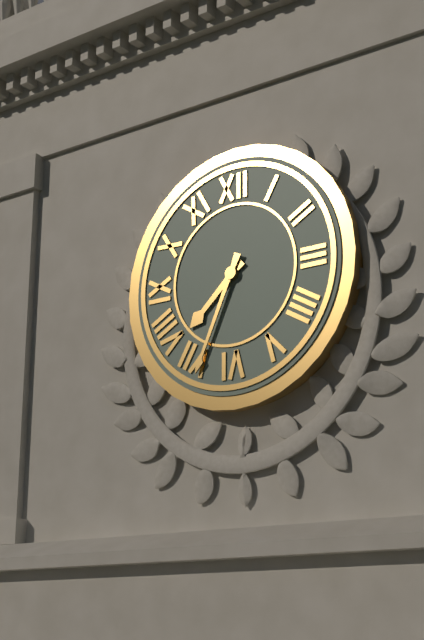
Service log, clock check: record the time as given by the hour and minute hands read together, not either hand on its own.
7:34
